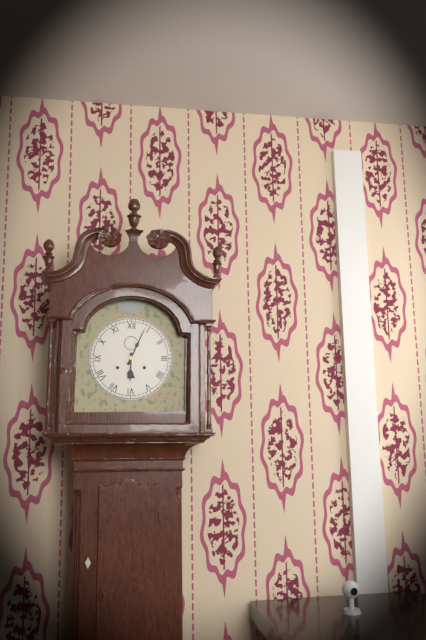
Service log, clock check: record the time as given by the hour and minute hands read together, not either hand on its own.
6:04
